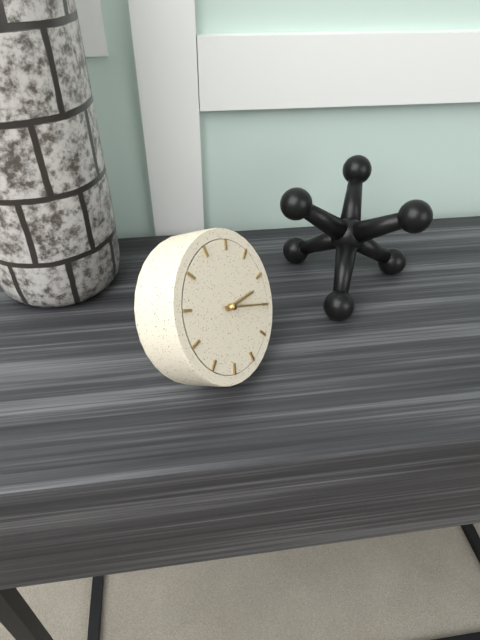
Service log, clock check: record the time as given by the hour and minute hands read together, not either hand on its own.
3:20
